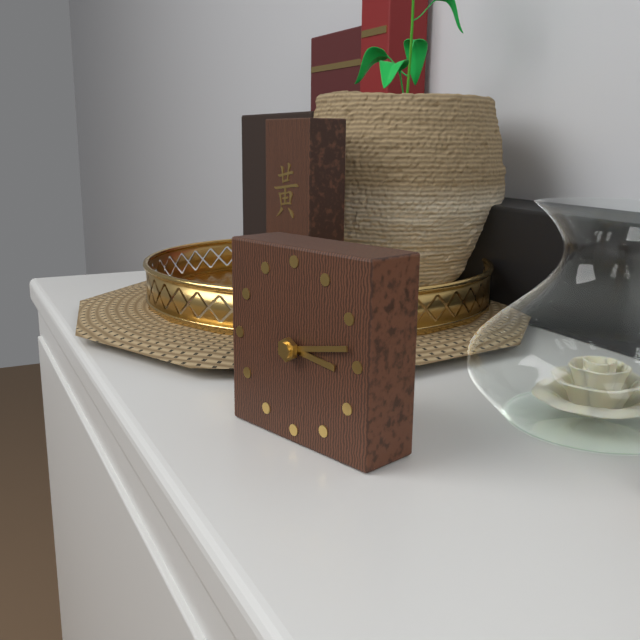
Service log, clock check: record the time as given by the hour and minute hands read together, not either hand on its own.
3:13
